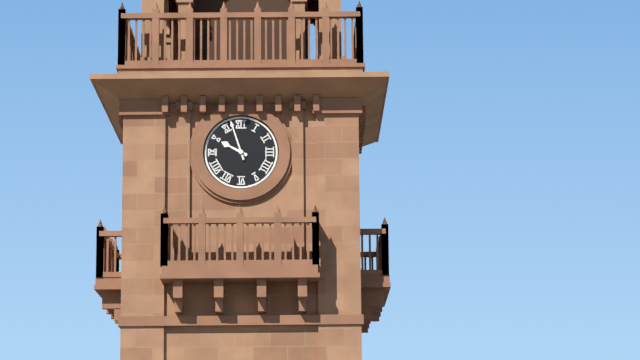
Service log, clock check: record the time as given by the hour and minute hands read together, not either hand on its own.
9:57
